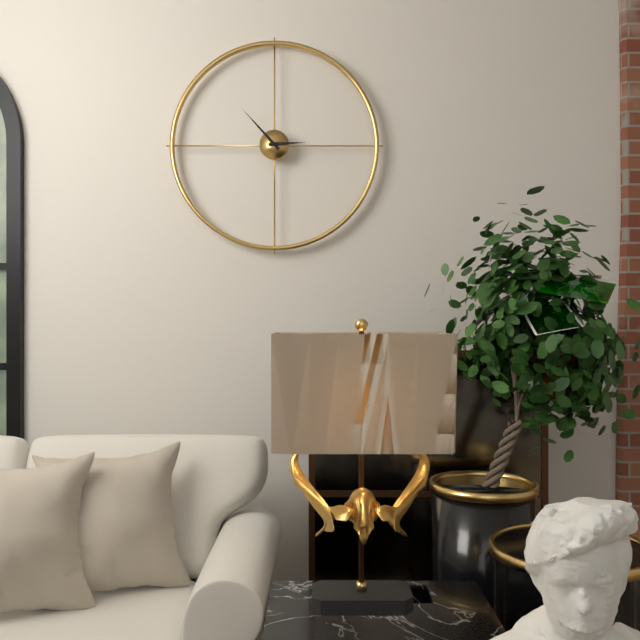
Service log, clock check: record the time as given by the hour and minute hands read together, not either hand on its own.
2:53
